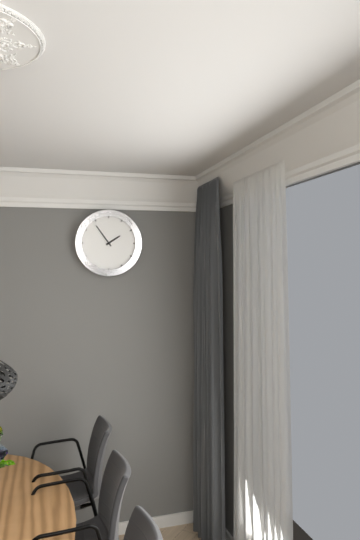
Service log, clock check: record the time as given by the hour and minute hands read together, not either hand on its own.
1:54
